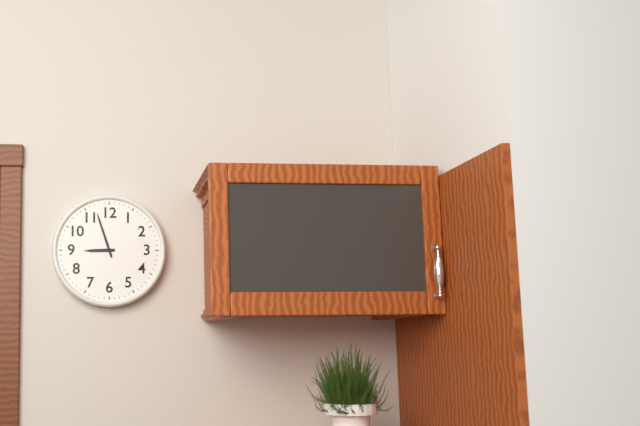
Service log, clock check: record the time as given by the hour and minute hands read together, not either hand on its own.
8:57
